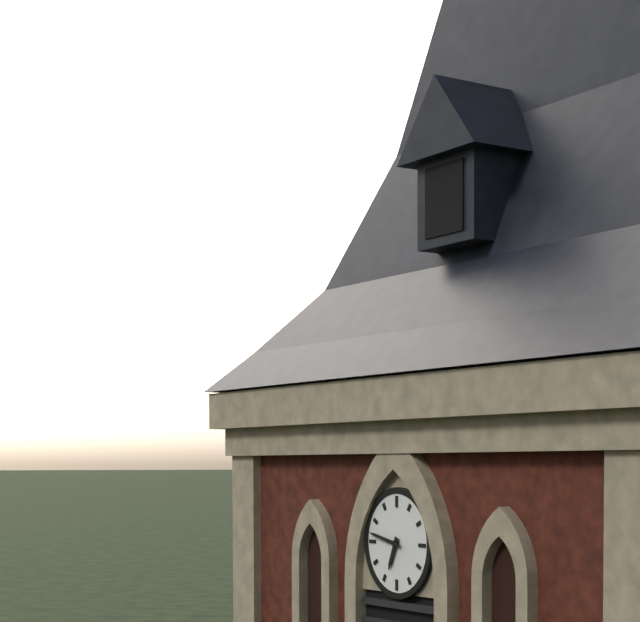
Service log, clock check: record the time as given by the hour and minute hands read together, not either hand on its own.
6:47
